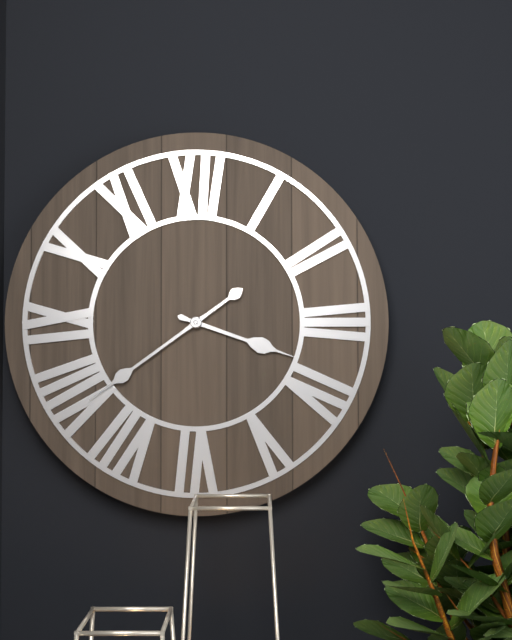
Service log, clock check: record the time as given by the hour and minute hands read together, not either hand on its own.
3:39
